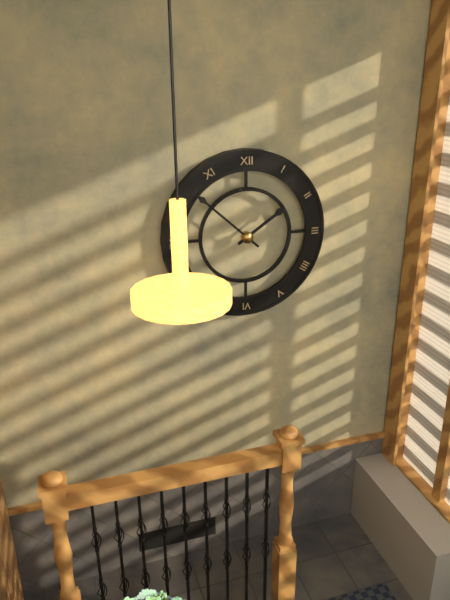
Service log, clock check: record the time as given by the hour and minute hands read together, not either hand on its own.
1:52
